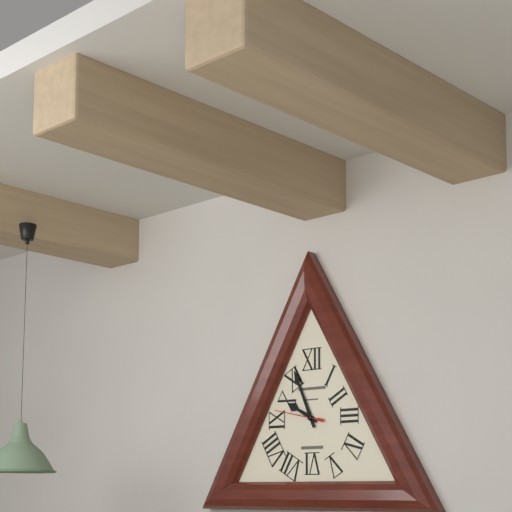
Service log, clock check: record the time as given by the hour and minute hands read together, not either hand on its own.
9:56
